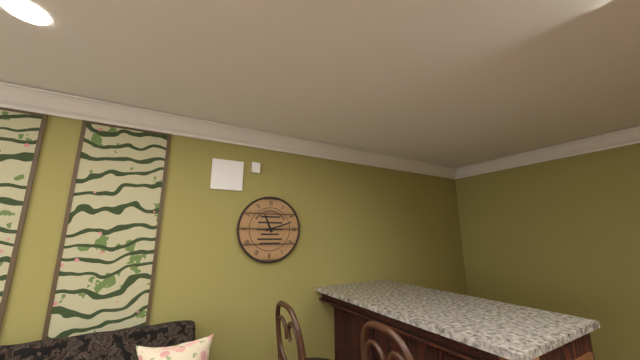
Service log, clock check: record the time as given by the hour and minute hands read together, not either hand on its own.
11:12
